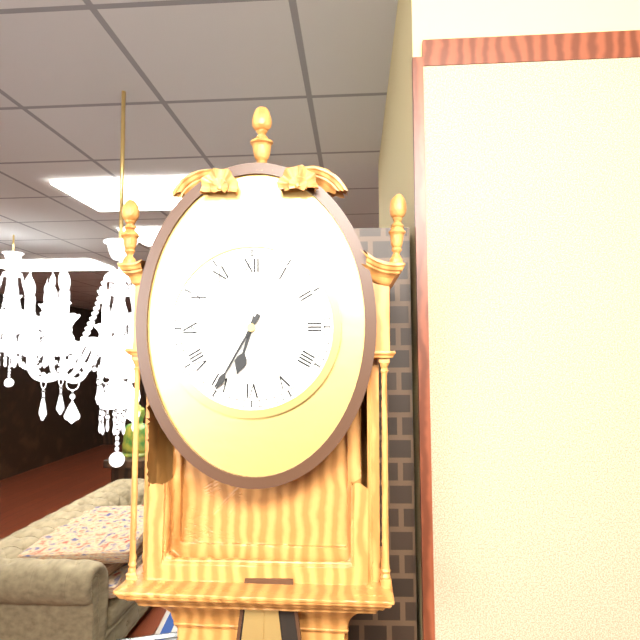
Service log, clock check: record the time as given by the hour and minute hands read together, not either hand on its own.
6:35
